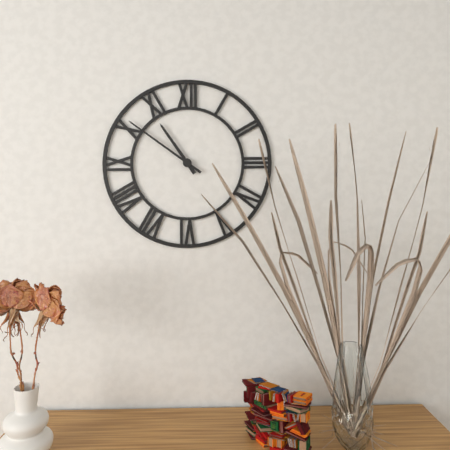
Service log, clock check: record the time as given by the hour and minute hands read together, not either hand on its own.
10:51
